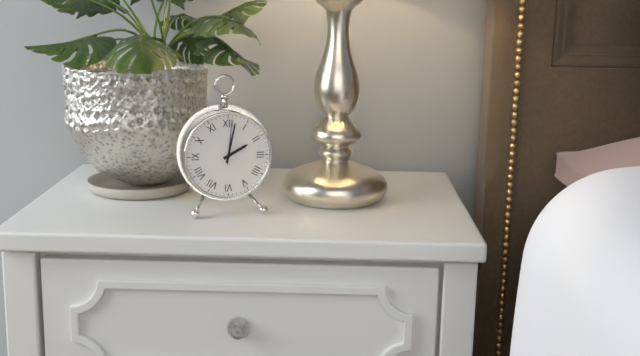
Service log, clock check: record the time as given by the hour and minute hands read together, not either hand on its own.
2:02
